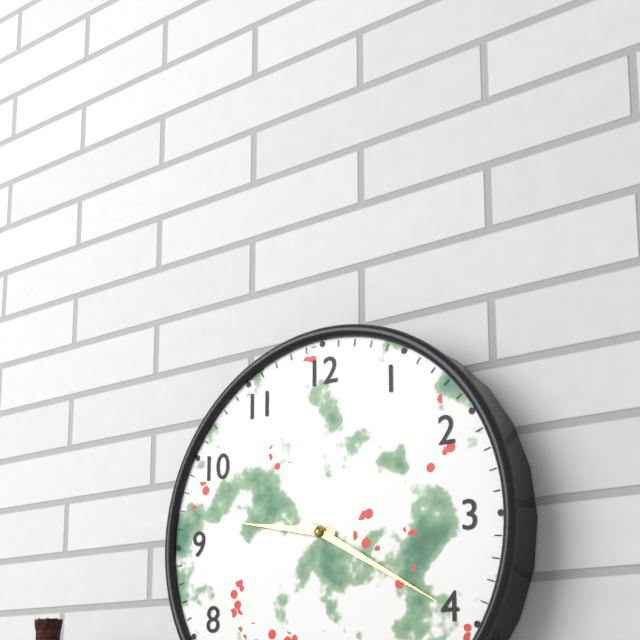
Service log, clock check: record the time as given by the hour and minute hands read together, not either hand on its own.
9:20
